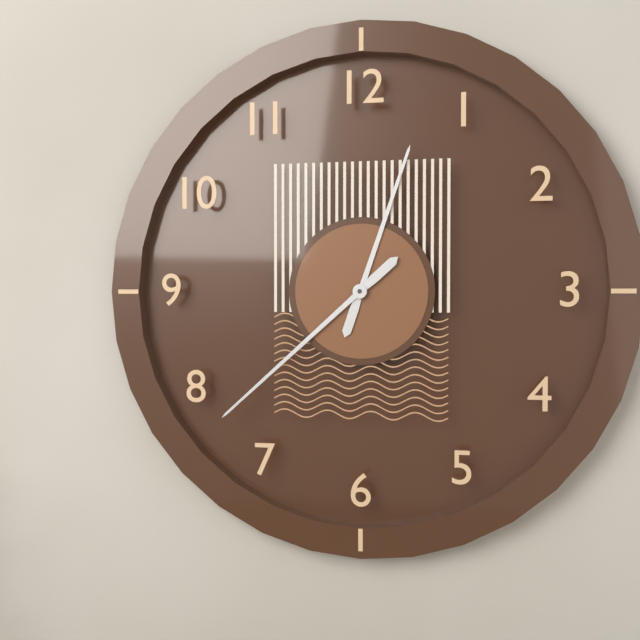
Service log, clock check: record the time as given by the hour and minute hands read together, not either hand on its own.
12:38
